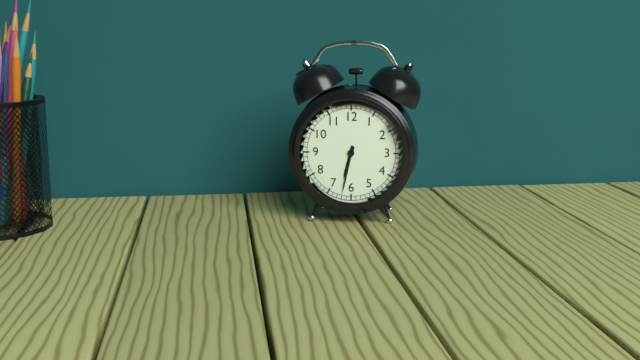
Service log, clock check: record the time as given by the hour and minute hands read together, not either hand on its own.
6:32
